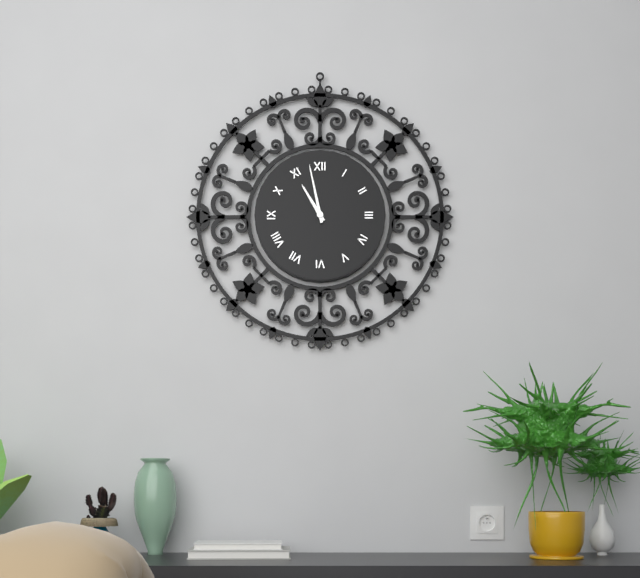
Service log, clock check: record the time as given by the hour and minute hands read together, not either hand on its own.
10:58
